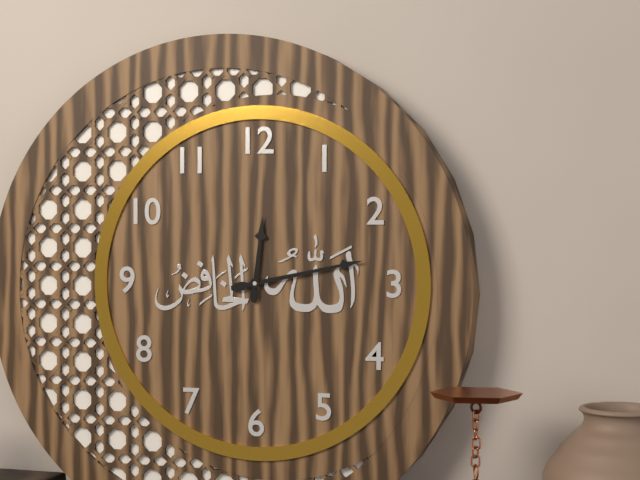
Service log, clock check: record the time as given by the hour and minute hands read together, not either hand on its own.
12:13
